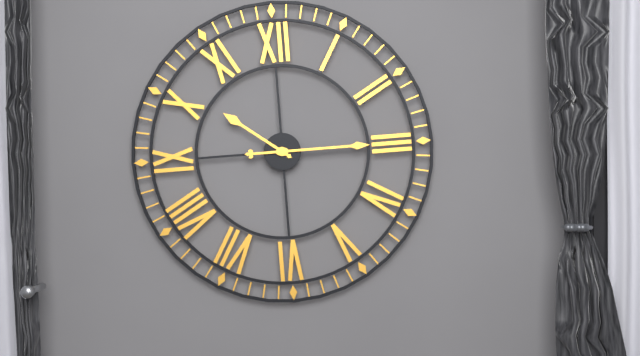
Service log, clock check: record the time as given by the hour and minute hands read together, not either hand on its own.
10:15
